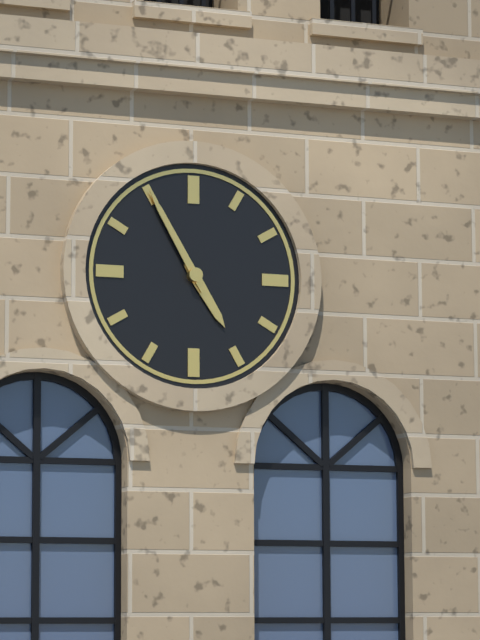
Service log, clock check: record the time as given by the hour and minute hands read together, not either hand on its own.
4:55
